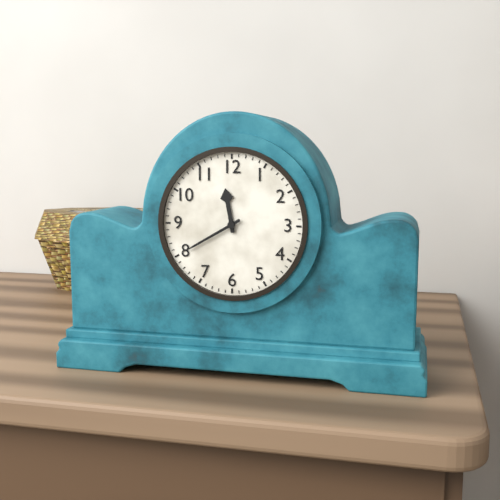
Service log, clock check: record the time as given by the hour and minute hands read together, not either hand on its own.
11:40
